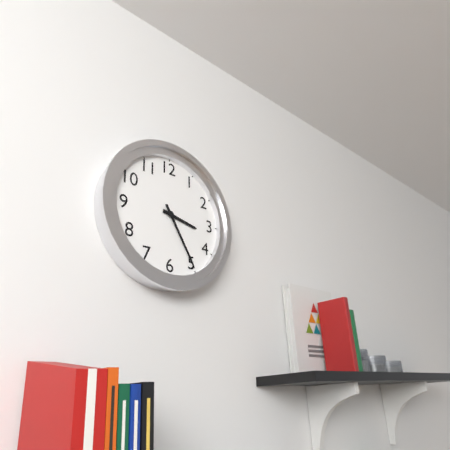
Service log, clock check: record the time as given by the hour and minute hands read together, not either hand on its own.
3:25
